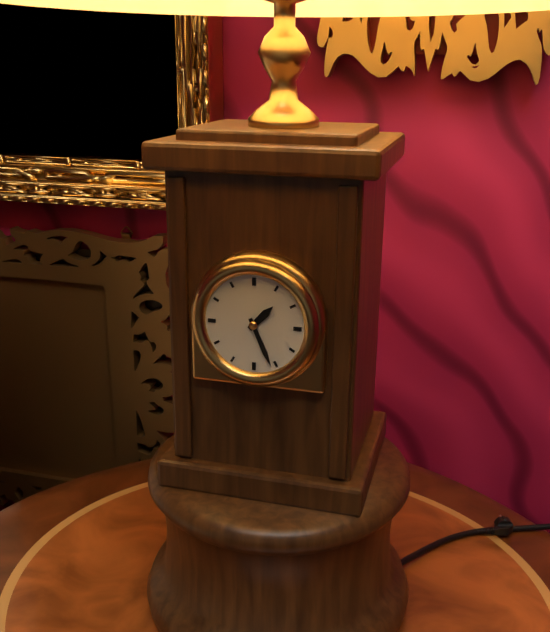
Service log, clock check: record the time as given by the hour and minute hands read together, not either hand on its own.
1:26
